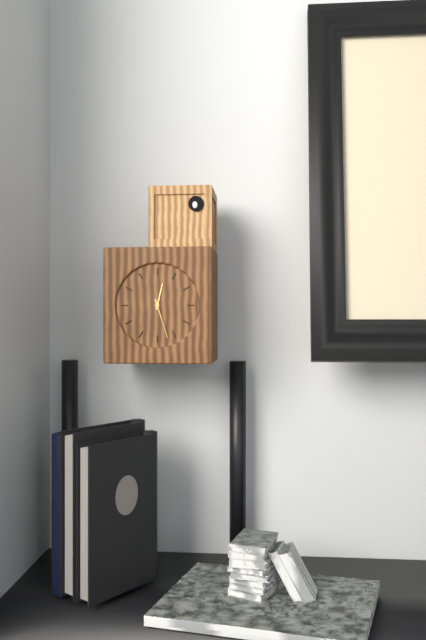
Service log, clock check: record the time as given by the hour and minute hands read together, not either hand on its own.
12:27
